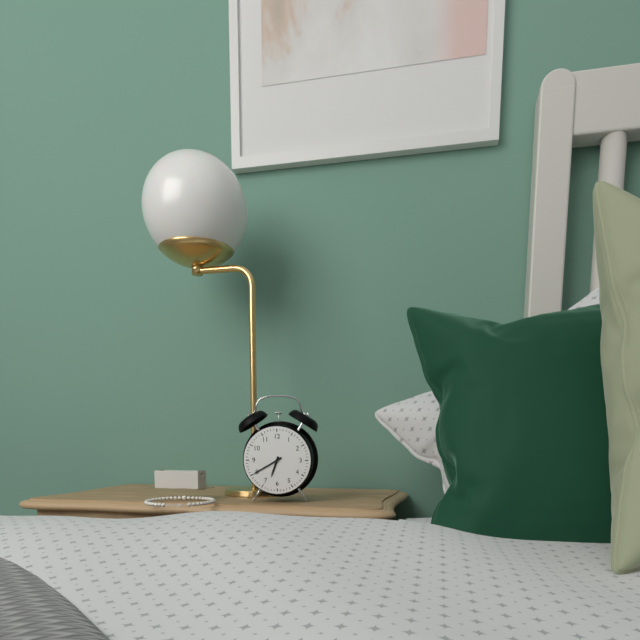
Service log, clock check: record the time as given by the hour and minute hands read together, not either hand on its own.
6:40
